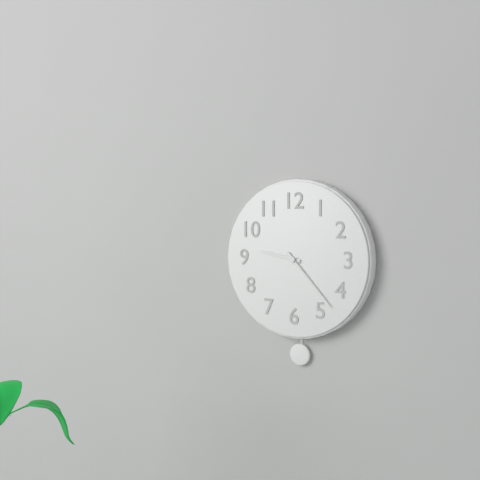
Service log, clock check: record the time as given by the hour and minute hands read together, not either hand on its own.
9:23
